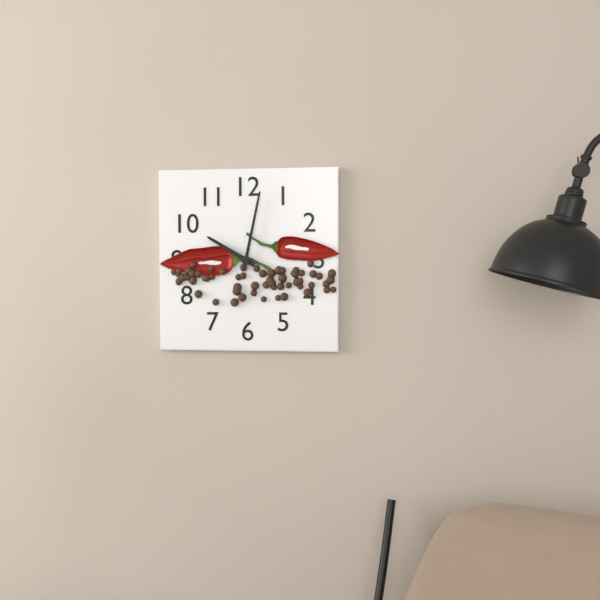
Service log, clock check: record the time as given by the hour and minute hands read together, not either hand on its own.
10:02
